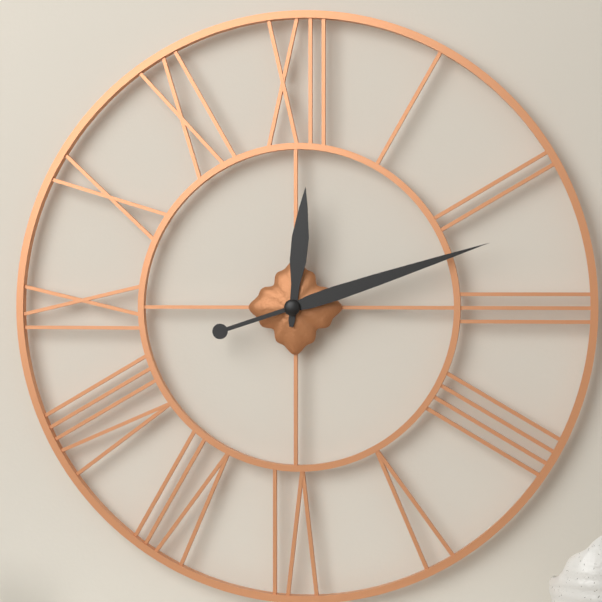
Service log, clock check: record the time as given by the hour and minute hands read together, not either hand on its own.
12:12
